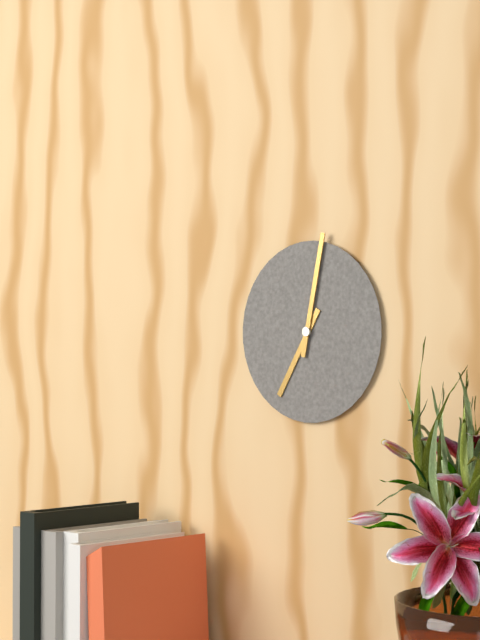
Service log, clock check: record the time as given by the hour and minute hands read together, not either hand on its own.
7:02
